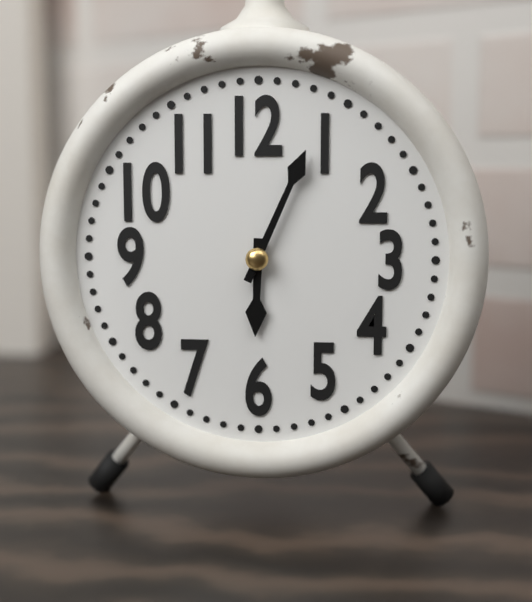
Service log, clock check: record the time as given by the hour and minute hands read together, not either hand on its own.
6:04
